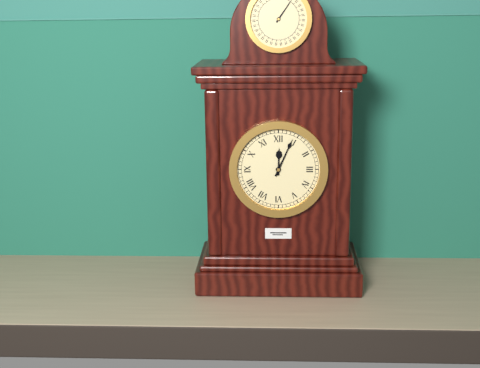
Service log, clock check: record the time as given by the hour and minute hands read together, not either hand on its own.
12:04
